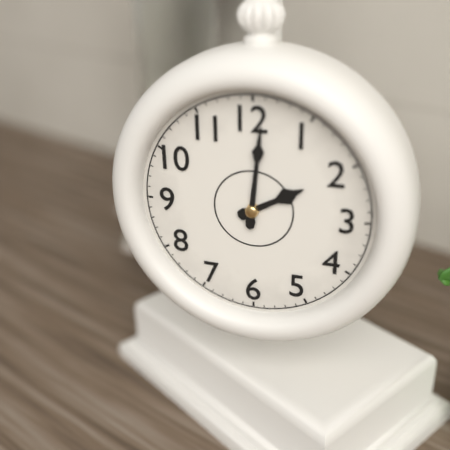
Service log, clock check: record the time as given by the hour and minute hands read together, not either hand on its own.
2:01
